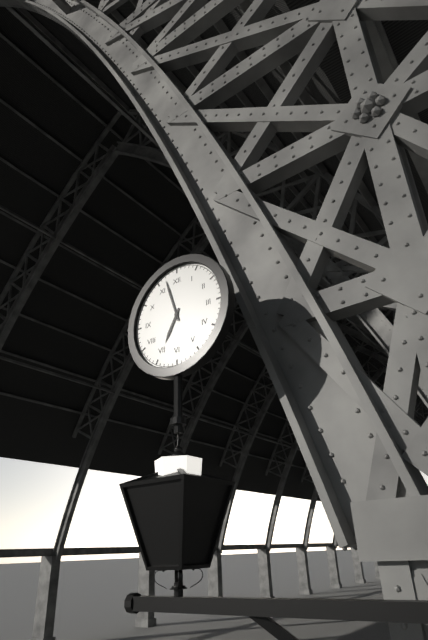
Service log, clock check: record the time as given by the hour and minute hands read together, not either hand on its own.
6:57
